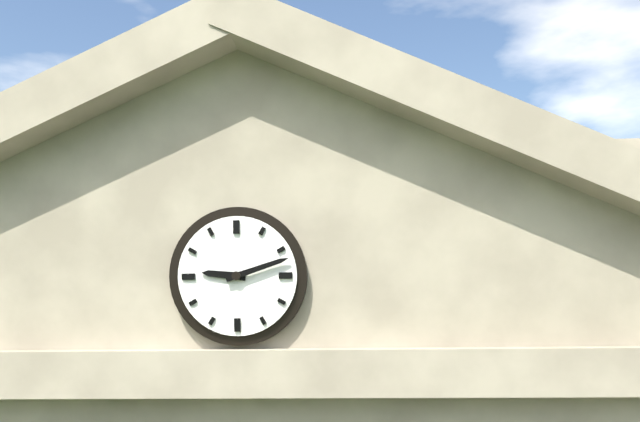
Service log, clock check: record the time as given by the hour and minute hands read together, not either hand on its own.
9:12
